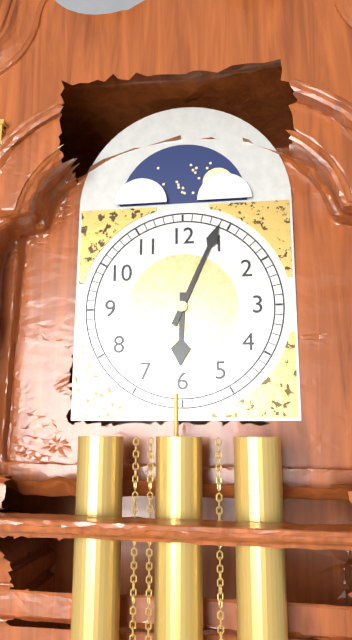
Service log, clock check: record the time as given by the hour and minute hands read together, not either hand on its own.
6:04
